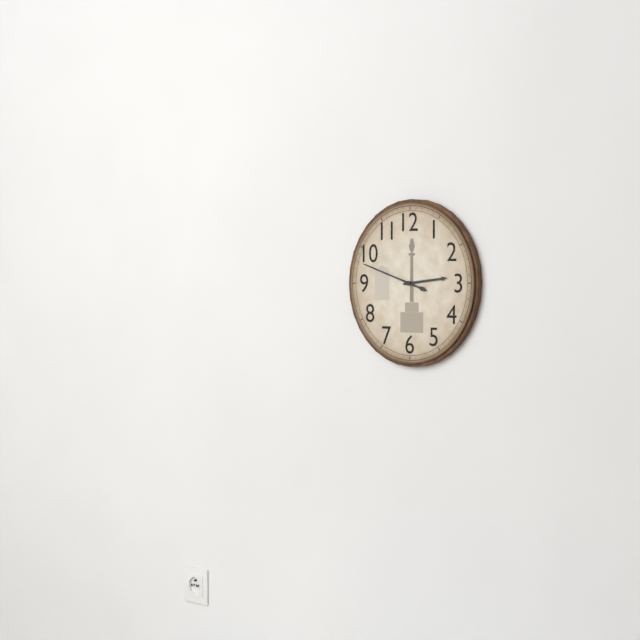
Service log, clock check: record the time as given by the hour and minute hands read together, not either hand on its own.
2:48
